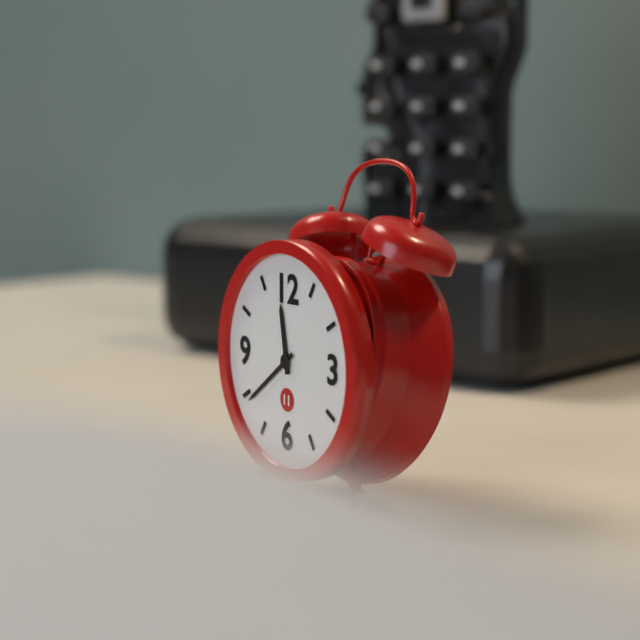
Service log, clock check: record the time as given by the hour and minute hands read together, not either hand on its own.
11:39
